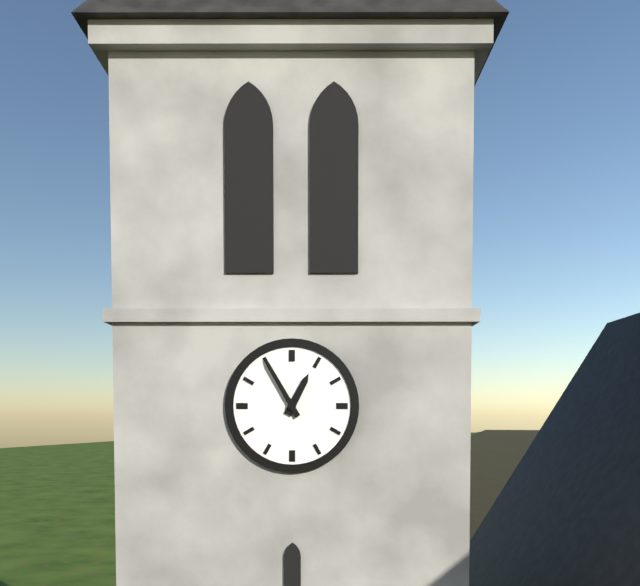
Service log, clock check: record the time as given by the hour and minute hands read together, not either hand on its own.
12:55
